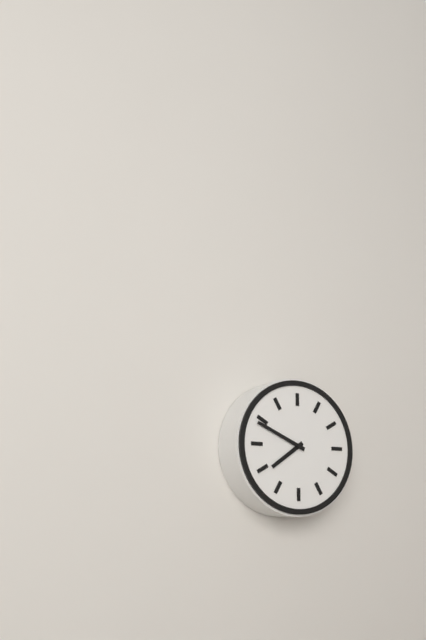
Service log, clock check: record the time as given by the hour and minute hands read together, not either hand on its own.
7:49
